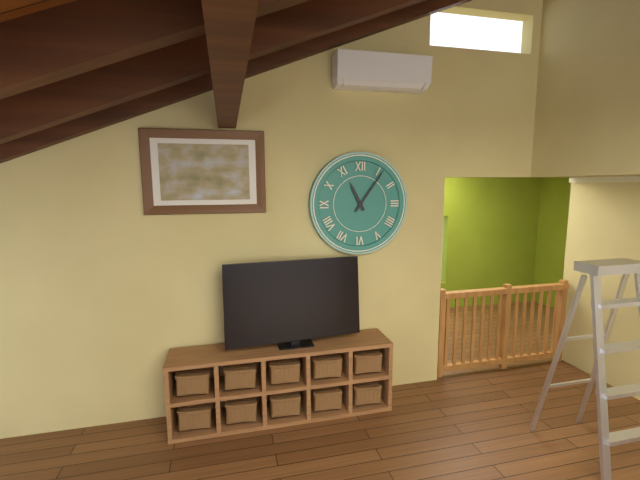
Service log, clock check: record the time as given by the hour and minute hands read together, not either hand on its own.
11:06
